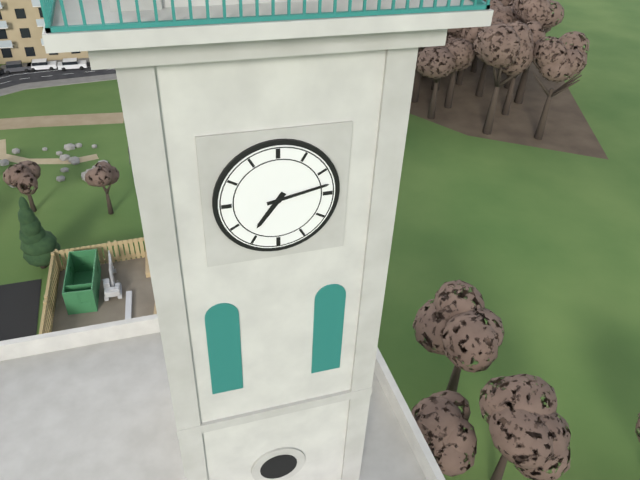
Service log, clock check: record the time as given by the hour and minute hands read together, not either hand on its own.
7:13
